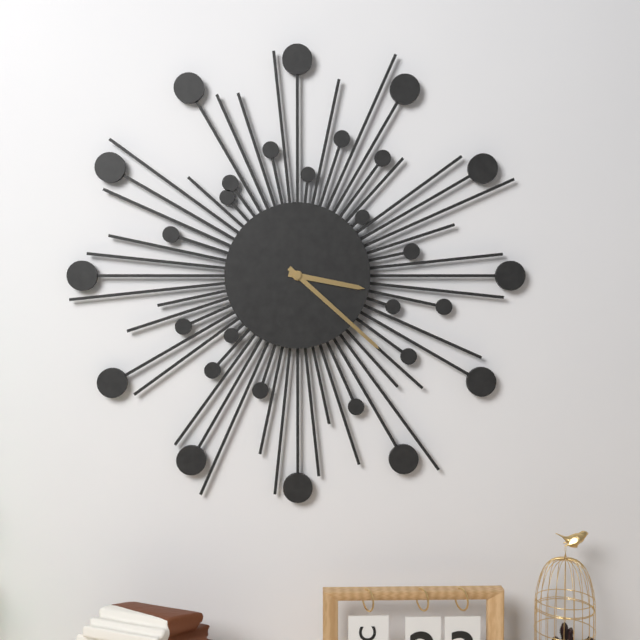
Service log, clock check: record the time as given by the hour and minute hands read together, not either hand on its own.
3:22
